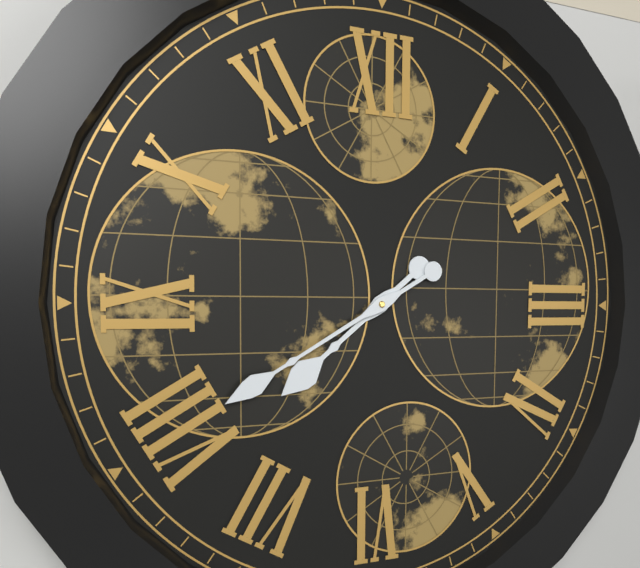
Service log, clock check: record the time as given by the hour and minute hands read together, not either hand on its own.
7:40
